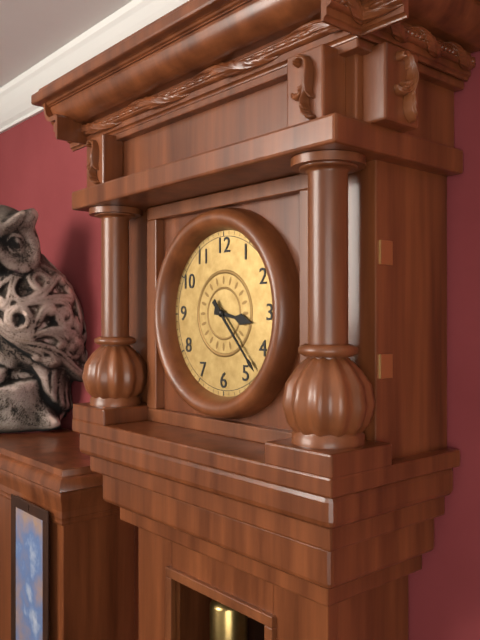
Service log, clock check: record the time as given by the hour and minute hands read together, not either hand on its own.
3:23
